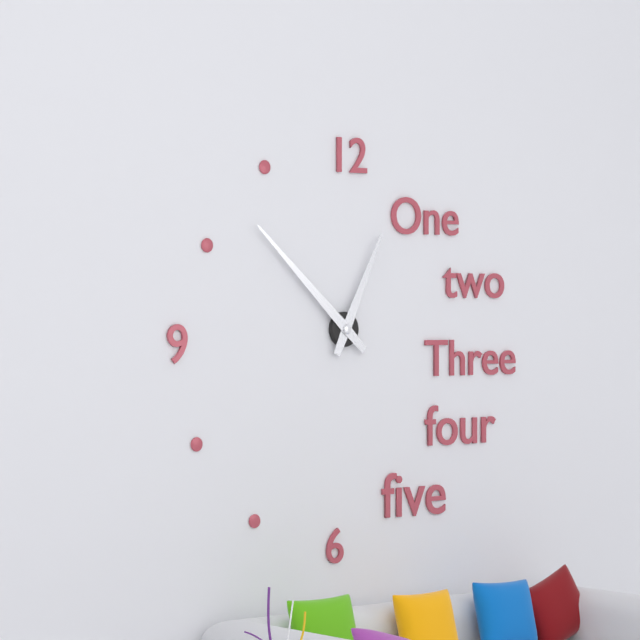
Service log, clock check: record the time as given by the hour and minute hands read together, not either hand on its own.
12:52
